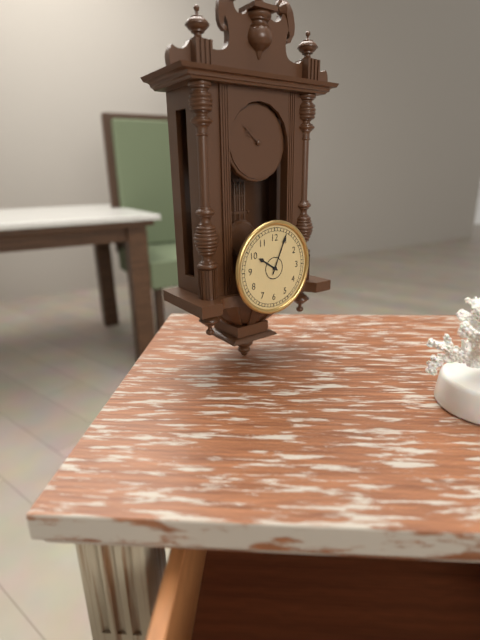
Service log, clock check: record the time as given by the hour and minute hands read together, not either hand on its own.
10:04
